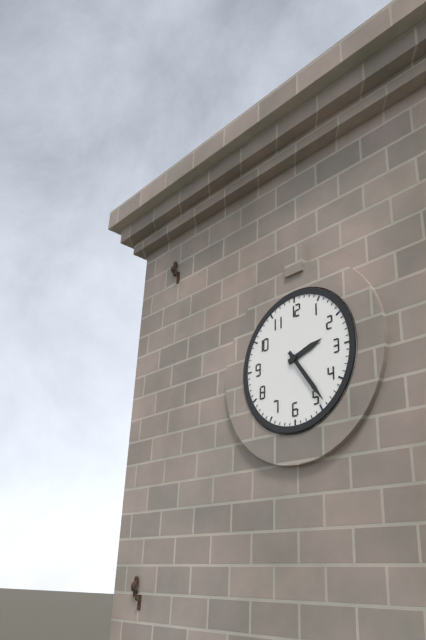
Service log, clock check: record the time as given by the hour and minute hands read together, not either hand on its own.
2:24
